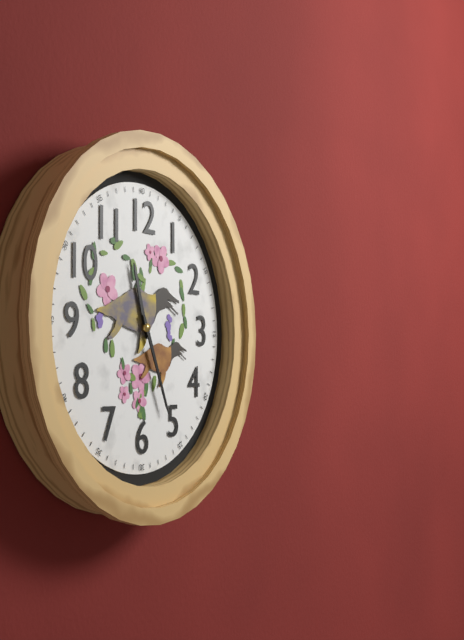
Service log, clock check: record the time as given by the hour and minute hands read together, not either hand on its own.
11:26
